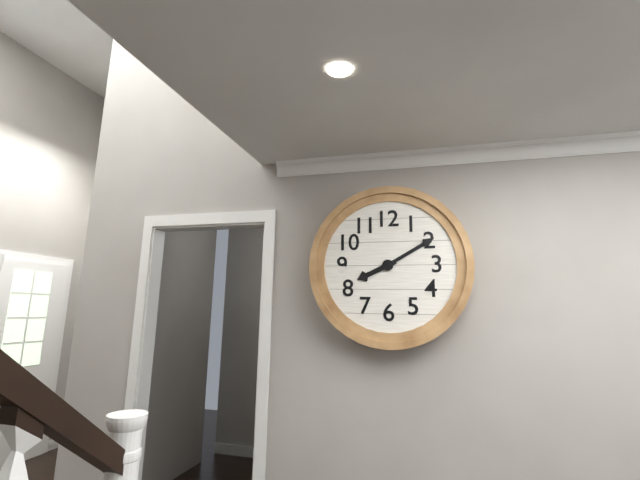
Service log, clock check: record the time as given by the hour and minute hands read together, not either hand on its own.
8:10
